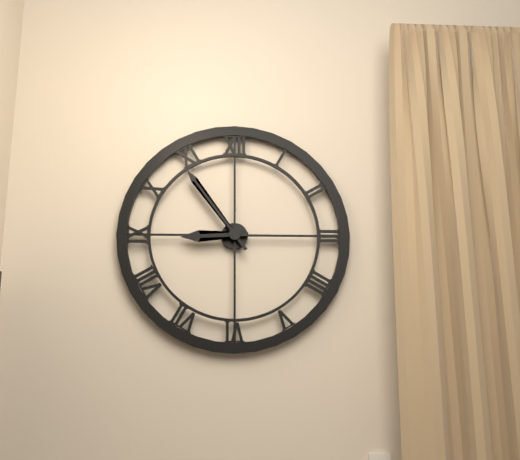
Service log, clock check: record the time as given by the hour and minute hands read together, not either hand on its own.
8:54
